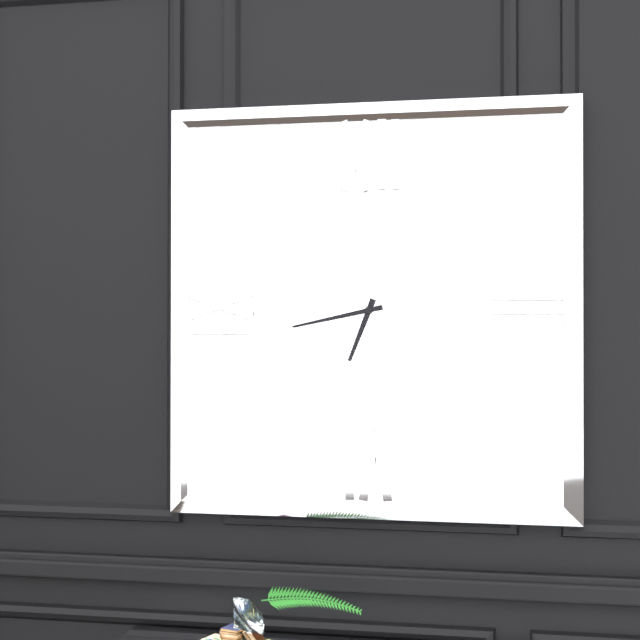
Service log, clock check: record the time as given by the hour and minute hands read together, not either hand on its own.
6:43
